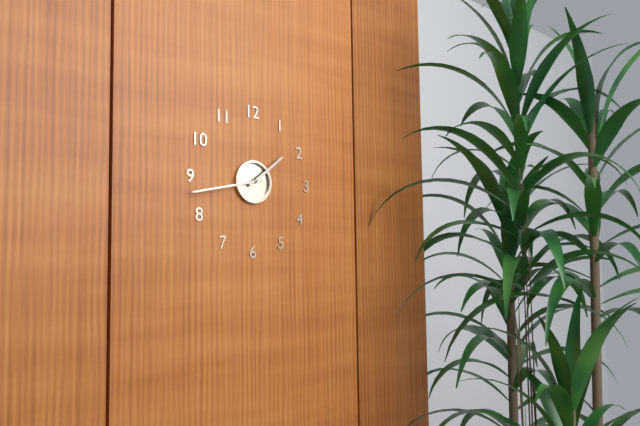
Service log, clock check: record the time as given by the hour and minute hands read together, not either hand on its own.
1:43
